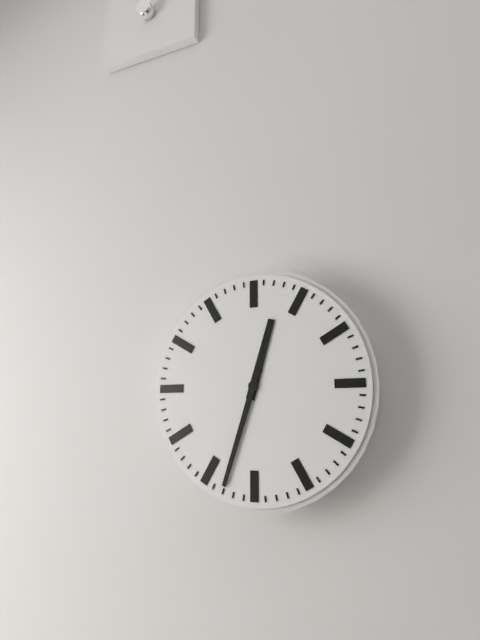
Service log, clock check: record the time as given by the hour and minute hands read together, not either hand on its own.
12:33
